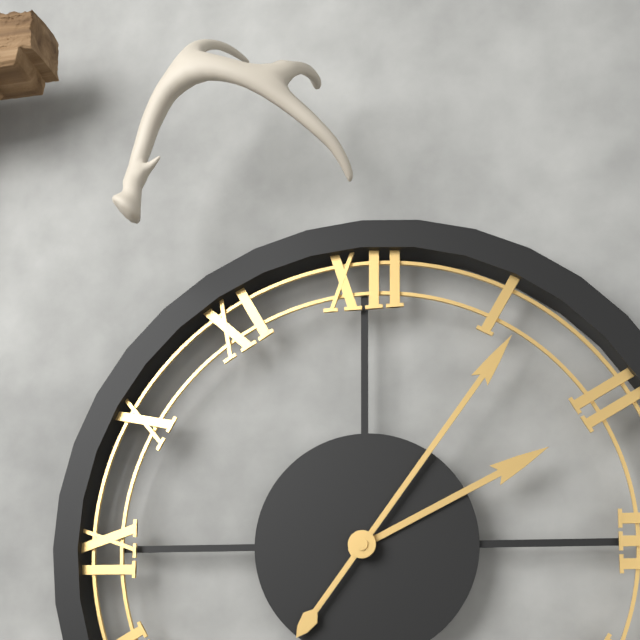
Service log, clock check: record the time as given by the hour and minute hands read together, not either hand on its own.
2:06
